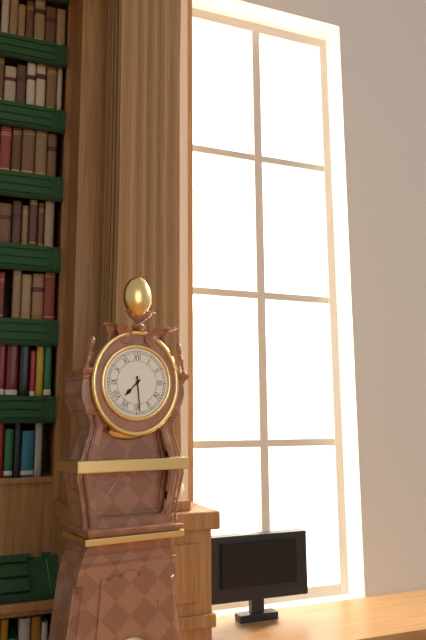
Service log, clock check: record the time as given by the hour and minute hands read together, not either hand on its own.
7:29
